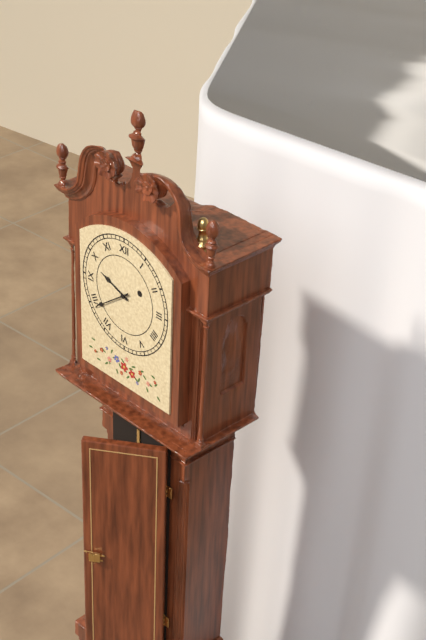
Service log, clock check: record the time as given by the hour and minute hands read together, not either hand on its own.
9:39
